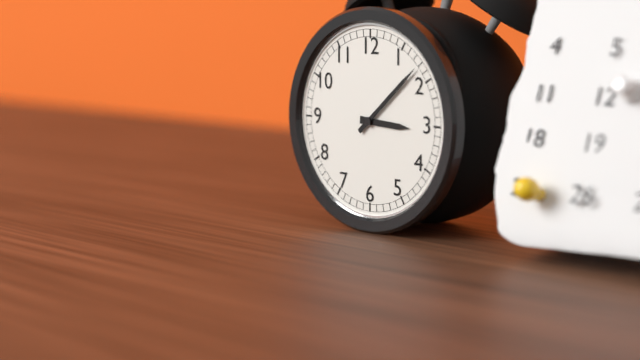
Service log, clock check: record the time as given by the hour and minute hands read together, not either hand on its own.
3:08
